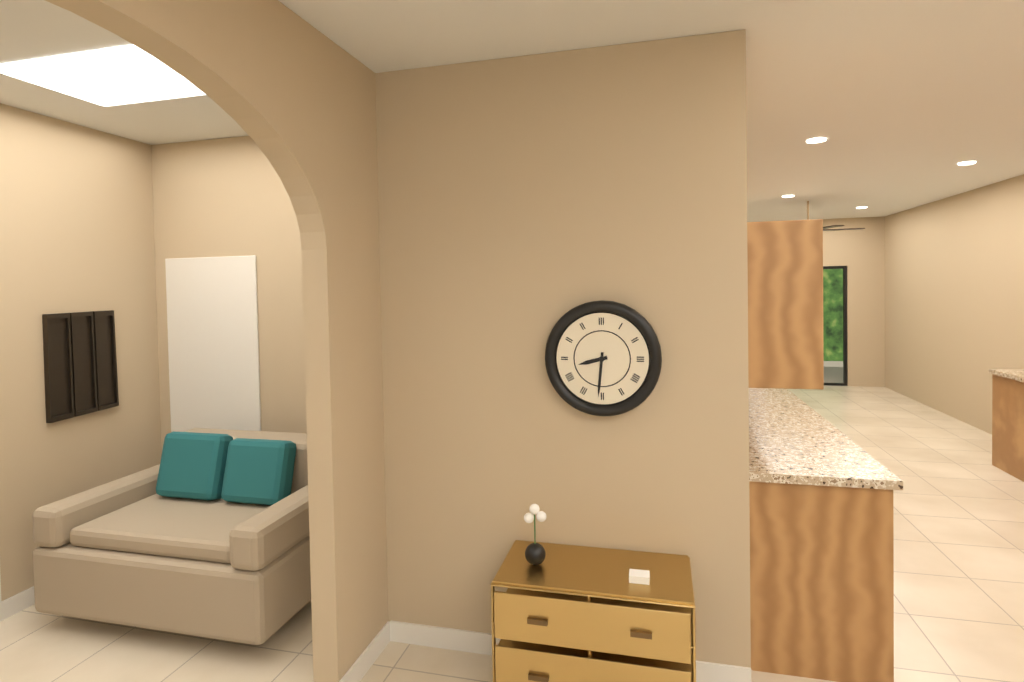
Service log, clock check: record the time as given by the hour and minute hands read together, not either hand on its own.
8:31
